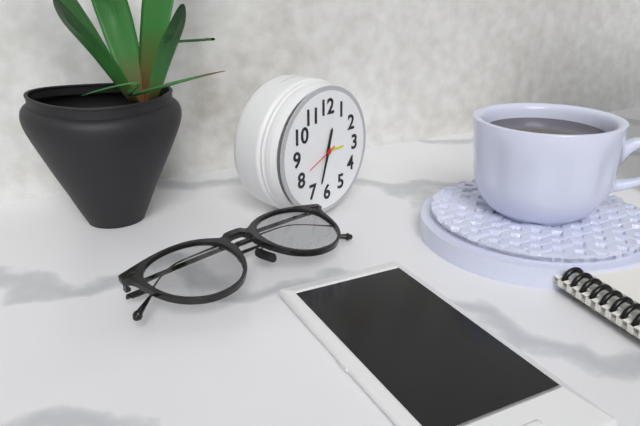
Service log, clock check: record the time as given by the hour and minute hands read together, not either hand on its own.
12:33
